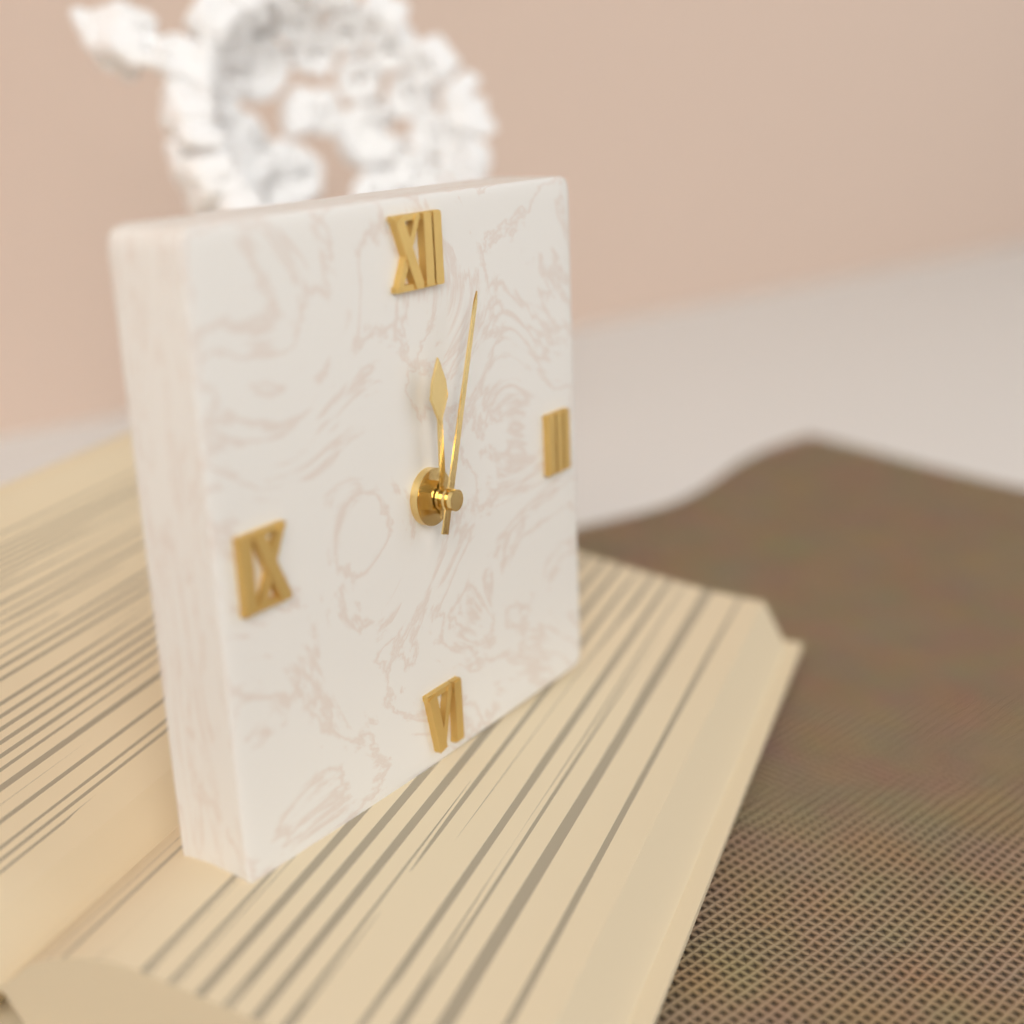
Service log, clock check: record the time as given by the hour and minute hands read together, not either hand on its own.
12:03
